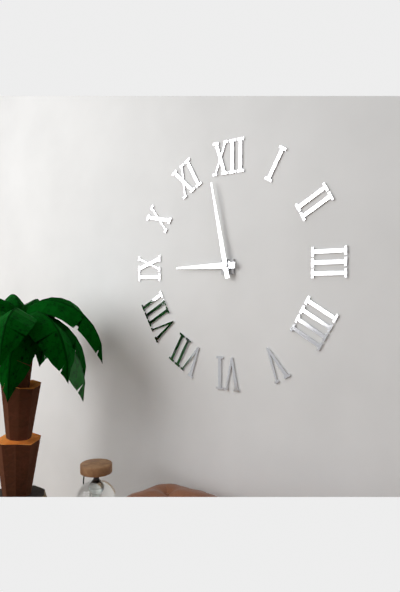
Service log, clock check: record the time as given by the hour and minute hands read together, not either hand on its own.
8:58
